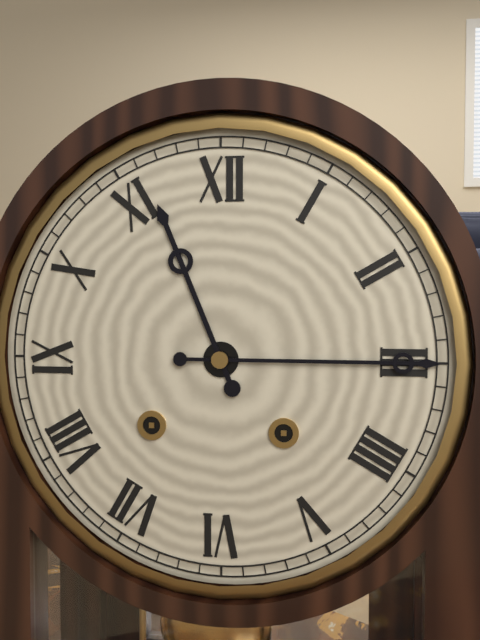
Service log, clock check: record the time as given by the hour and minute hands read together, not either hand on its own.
11:15
